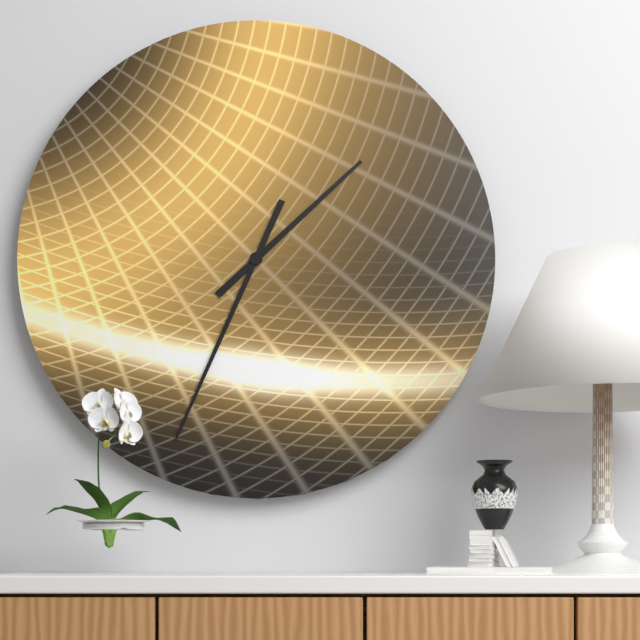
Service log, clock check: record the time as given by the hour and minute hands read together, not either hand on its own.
1:34
